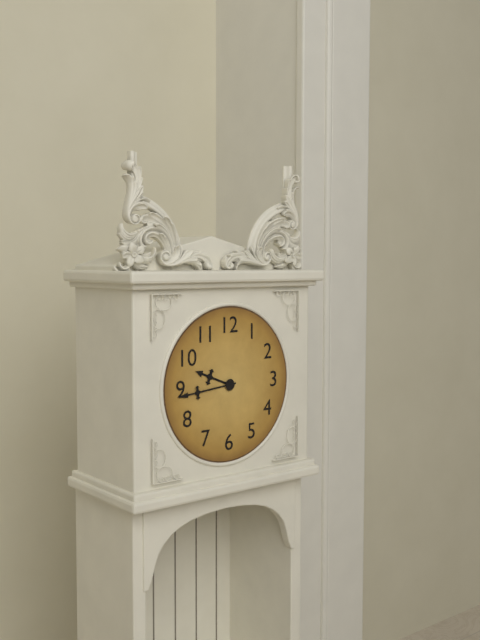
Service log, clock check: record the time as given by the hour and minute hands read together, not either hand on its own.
9:44
